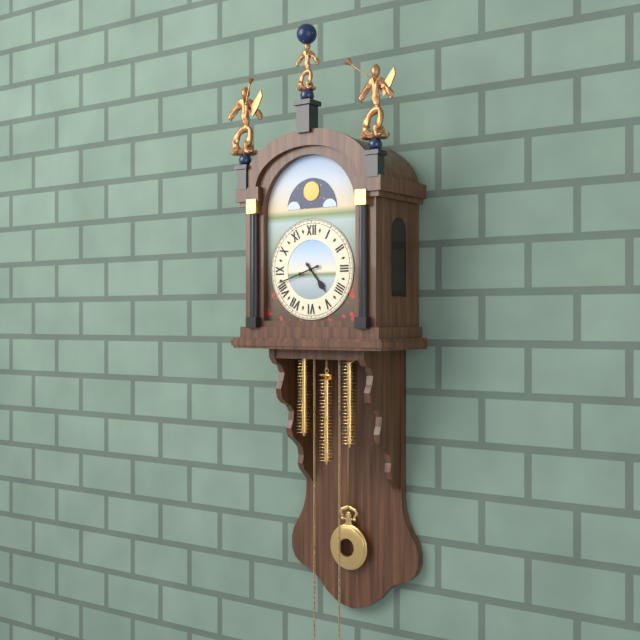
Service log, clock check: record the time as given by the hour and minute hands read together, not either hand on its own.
4:42
